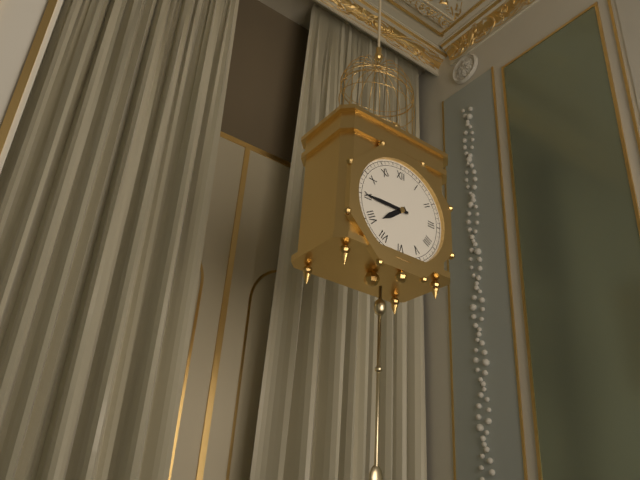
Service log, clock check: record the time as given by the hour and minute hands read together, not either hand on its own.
7:45
